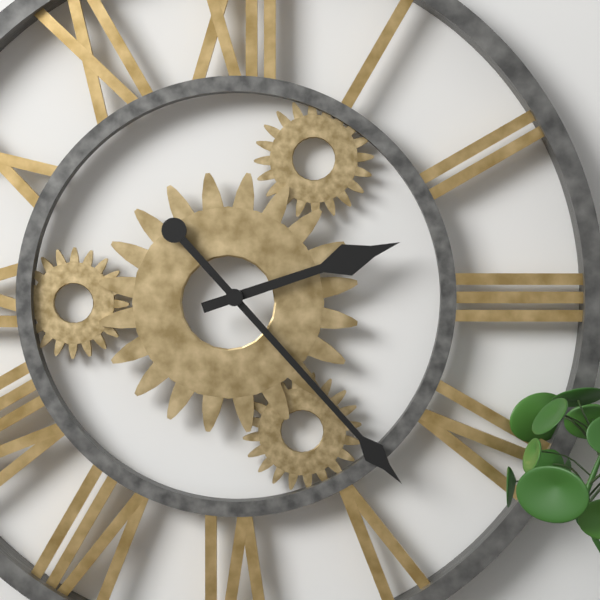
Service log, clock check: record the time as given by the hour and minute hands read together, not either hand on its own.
2:23
